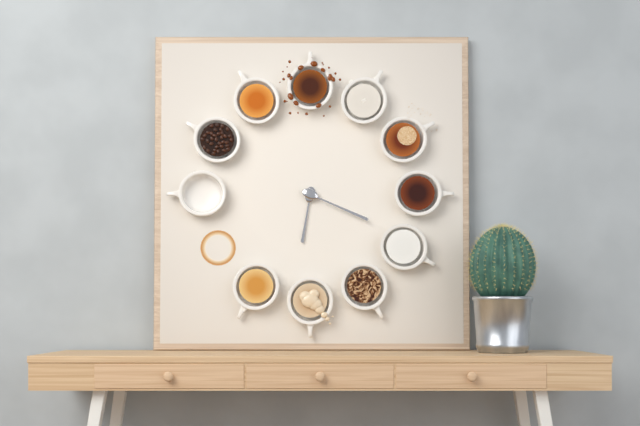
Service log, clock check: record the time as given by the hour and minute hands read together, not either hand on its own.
6:19
